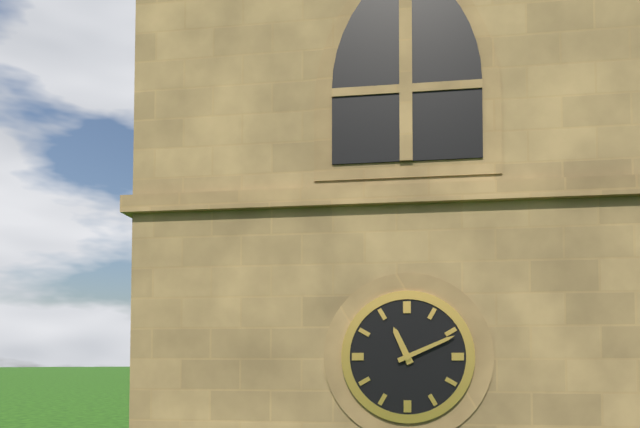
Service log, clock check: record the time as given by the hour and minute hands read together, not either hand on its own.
11:11
